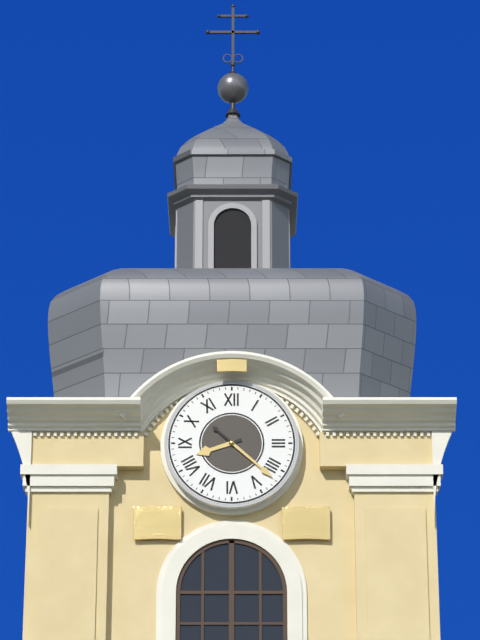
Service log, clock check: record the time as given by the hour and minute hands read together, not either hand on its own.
8:22
